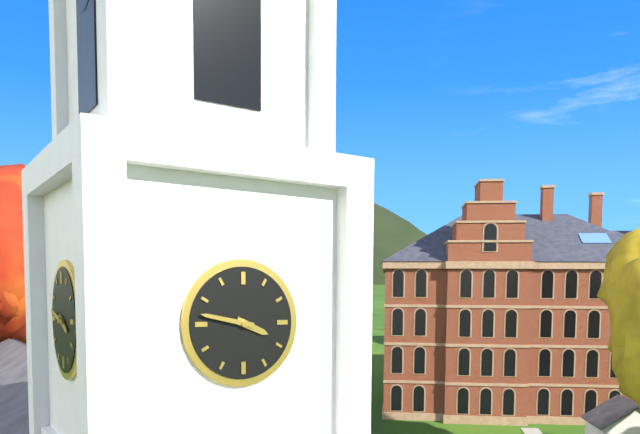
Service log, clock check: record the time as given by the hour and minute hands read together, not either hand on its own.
3:47
